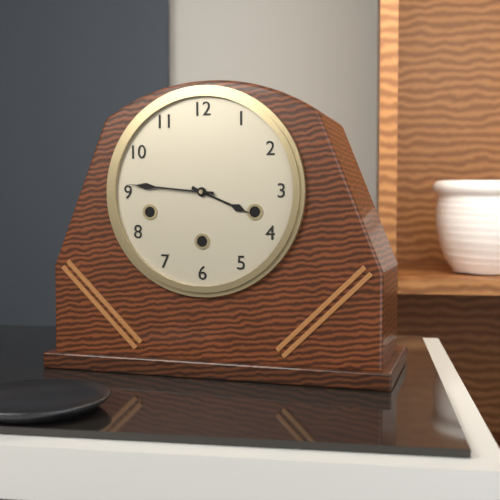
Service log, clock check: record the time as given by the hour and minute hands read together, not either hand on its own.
3:46
